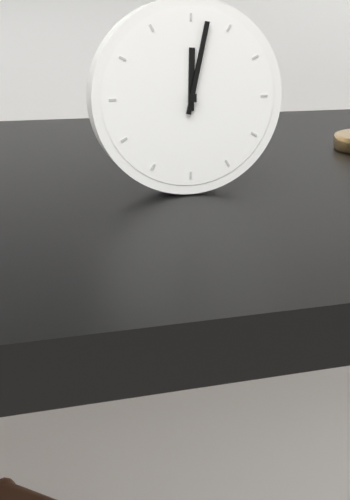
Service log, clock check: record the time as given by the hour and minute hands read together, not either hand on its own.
12:02
